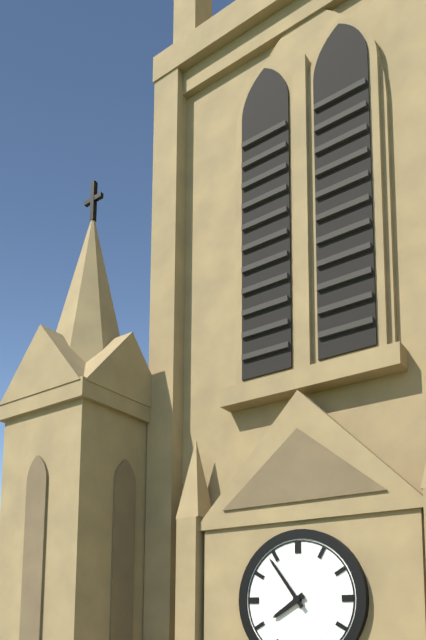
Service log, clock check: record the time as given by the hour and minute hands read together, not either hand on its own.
7:54
